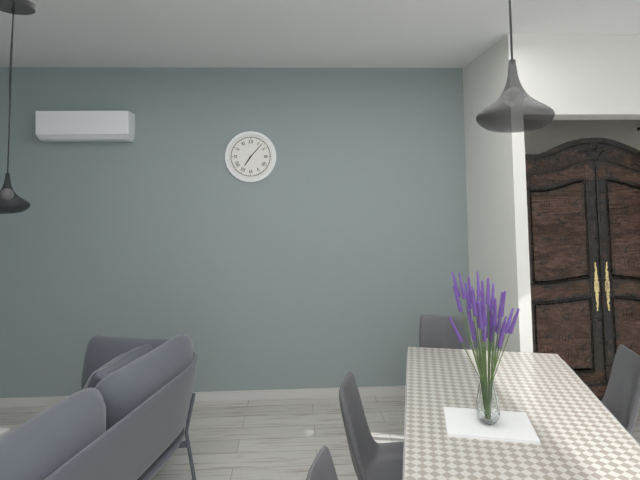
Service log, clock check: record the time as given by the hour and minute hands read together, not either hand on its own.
7:07
